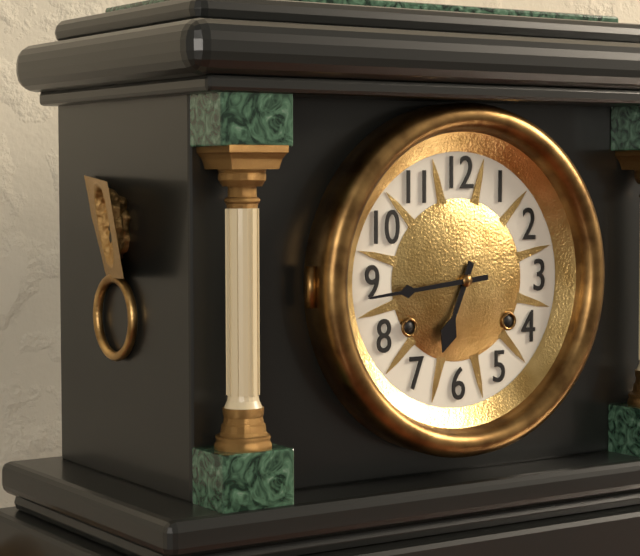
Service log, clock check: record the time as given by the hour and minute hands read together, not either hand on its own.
6:44
